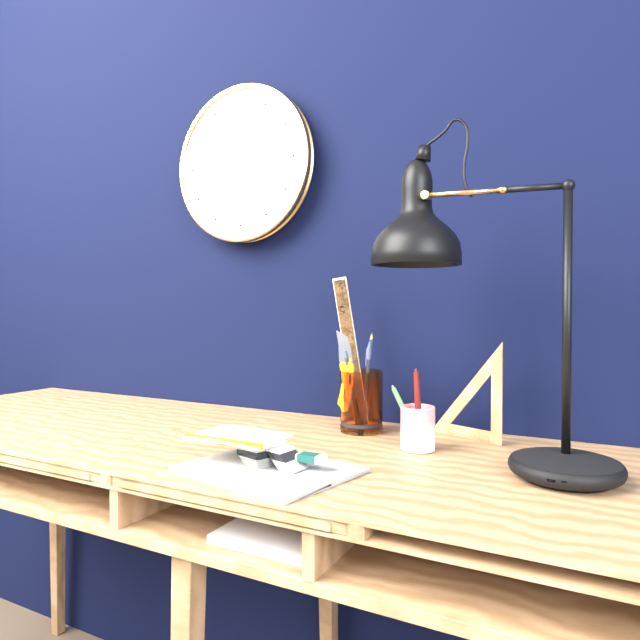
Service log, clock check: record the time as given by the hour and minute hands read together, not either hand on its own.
6:58
